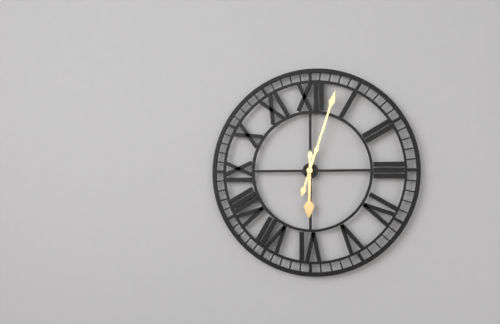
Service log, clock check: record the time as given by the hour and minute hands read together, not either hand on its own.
6:03
